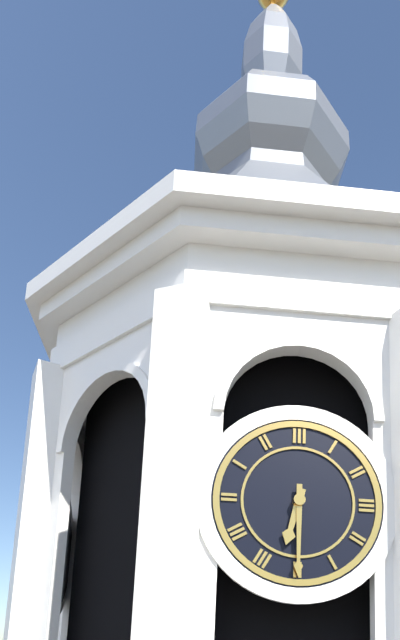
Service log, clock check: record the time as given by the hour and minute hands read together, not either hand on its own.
6:30
